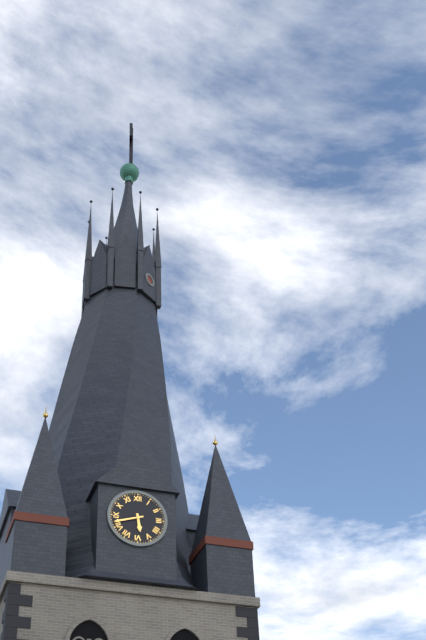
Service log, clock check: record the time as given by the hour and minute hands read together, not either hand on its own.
5:42
